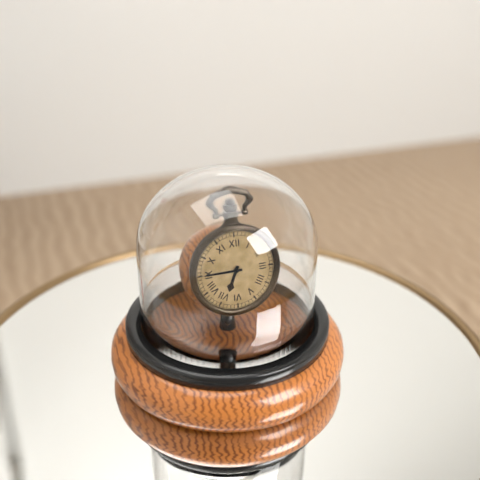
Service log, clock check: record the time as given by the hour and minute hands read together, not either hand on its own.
6:45
